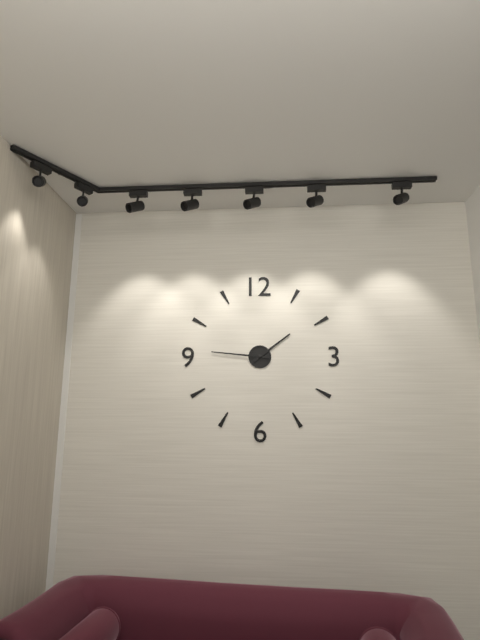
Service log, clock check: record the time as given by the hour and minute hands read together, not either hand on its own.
1:46
